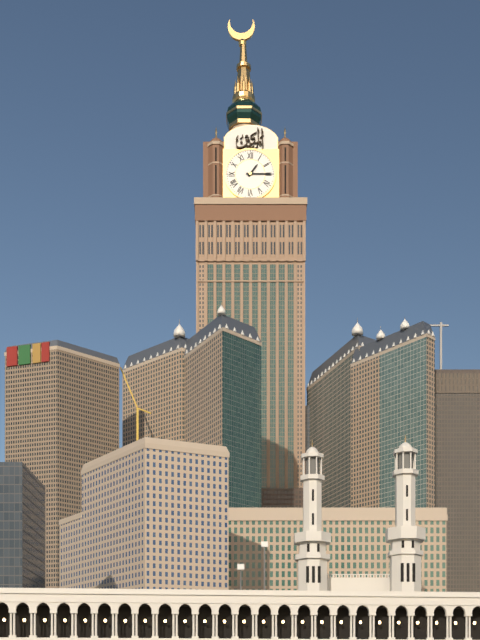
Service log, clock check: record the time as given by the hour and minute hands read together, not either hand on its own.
1:15
